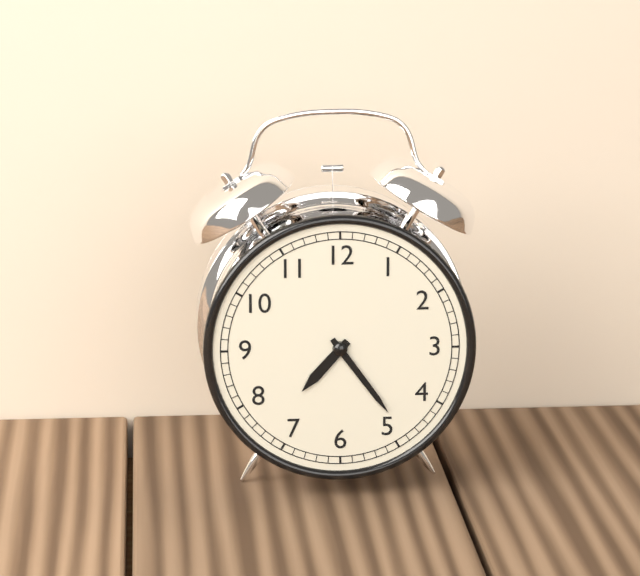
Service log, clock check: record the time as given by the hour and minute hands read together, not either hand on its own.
7:24
